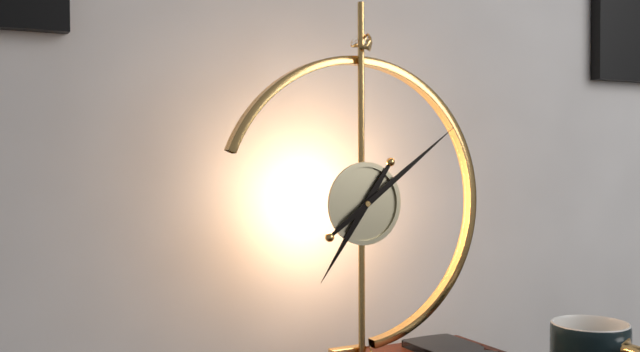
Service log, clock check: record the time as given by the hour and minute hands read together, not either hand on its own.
7:09
